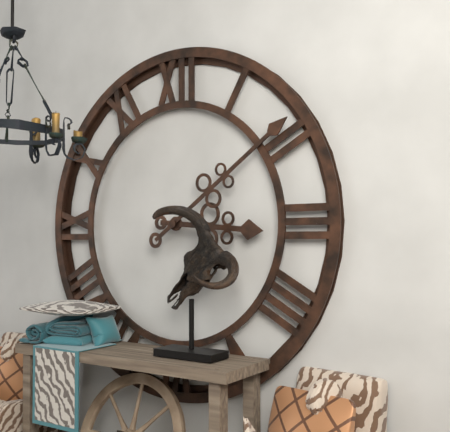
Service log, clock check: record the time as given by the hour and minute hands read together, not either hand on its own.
3:09
